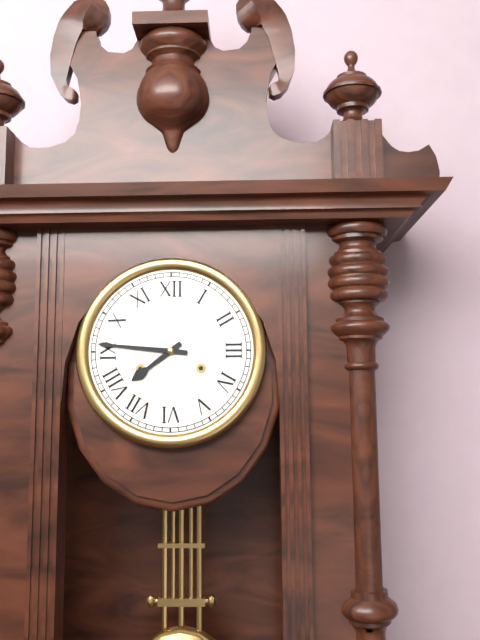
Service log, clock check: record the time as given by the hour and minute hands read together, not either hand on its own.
7:46
